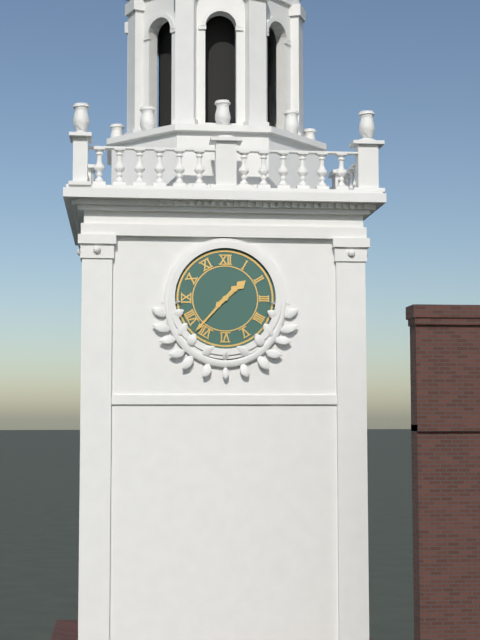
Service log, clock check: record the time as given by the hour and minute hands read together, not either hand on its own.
1:37
